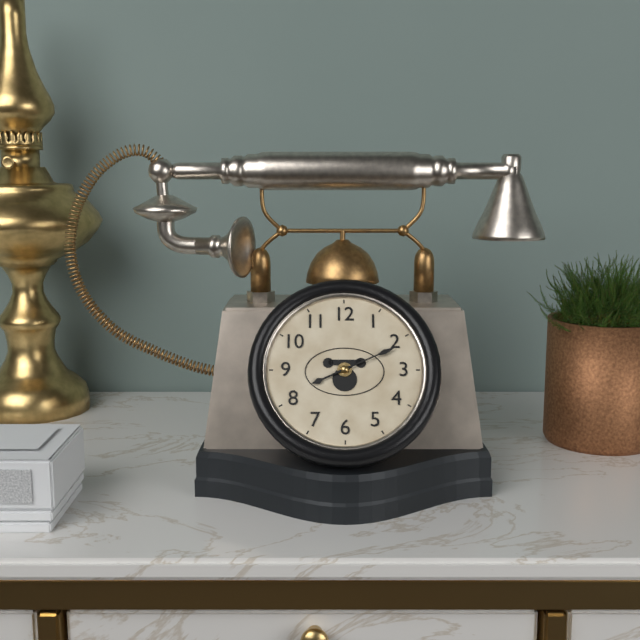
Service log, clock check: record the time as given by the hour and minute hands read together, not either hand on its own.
8:11
